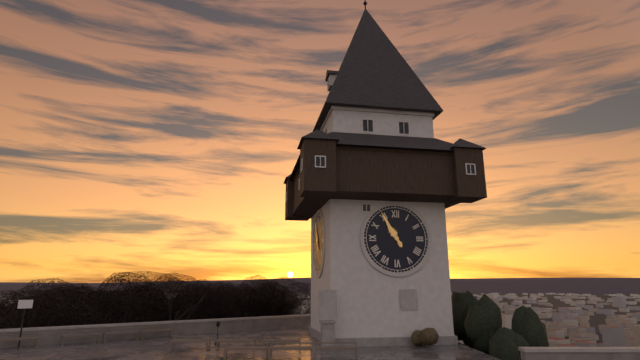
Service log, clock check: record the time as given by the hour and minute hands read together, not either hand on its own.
10:55
